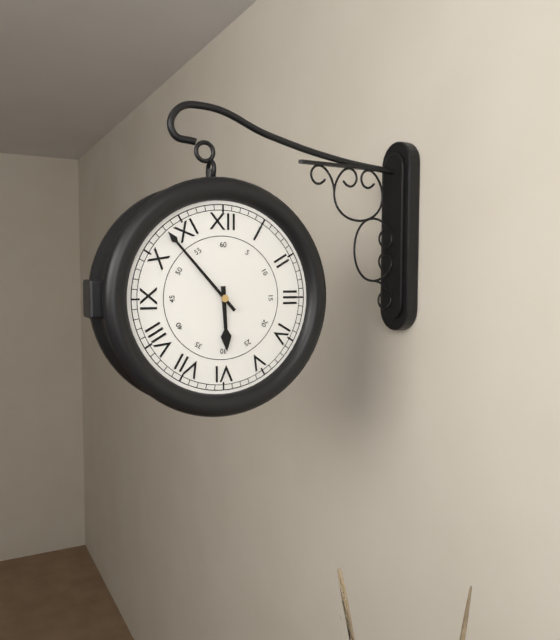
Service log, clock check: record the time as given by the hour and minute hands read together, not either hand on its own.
5:53
